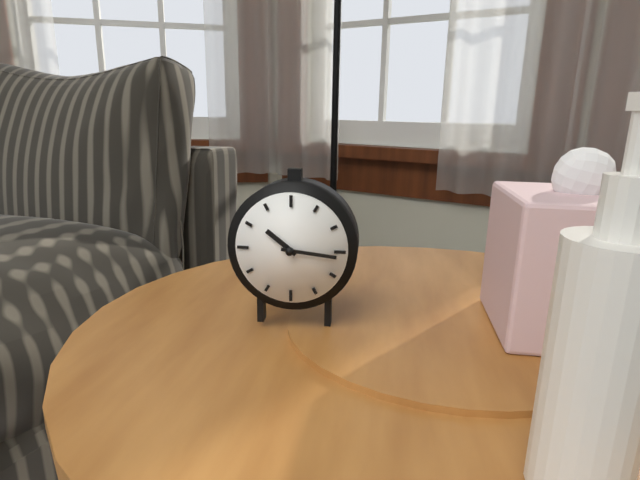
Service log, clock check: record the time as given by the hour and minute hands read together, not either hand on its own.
10:16
